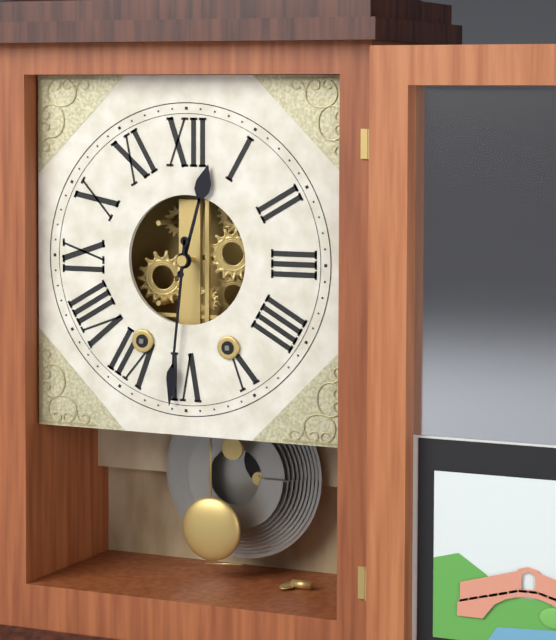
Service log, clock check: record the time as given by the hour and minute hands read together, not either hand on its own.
12:31
